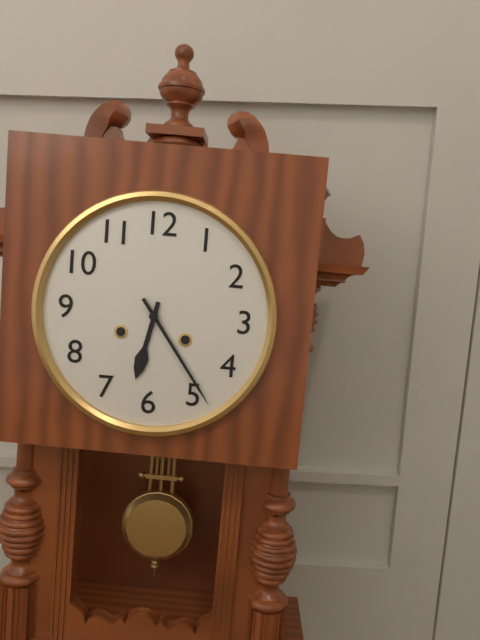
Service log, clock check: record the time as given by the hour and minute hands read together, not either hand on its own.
6:24
